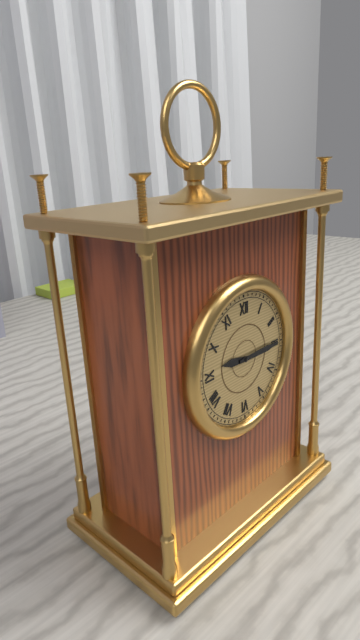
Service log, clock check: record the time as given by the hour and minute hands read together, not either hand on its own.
9:15
